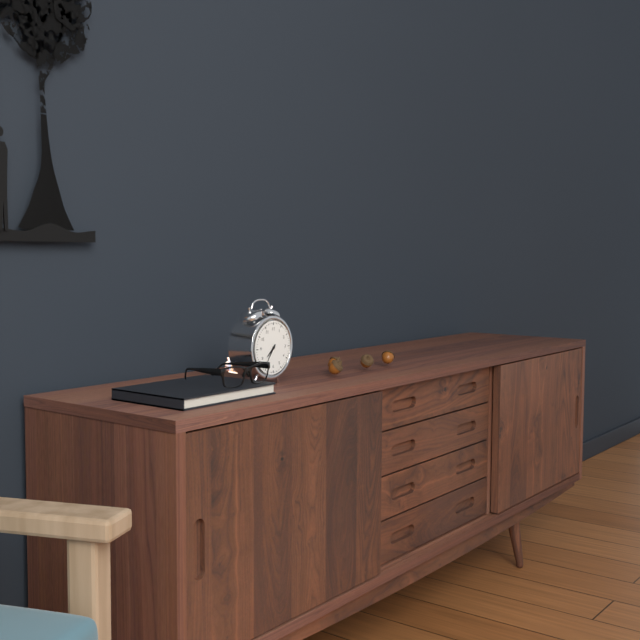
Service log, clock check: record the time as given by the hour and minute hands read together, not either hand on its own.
7:36
